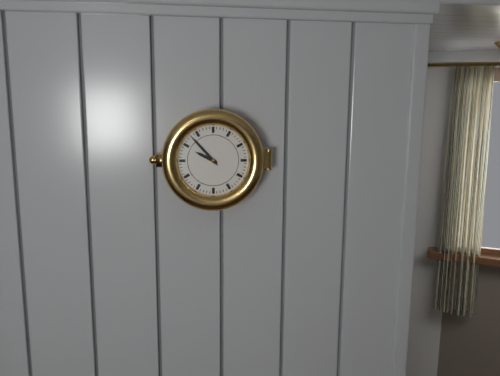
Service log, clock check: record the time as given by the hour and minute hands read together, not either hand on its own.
9:53
